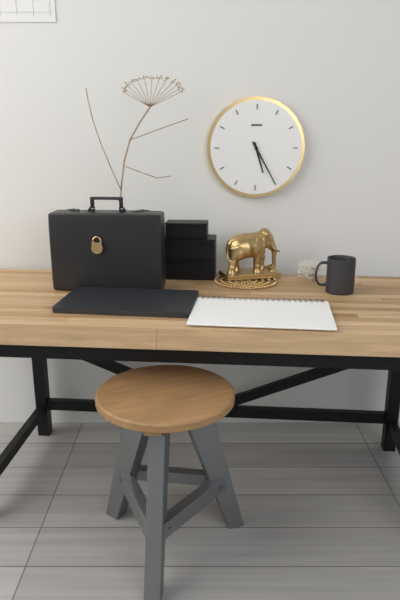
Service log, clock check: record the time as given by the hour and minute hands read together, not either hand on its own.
5:25
